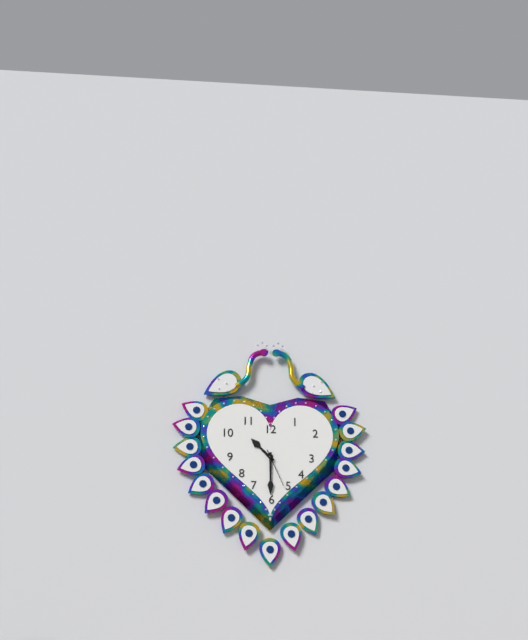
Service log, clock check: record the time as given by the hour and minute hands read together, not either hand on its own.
10:30
